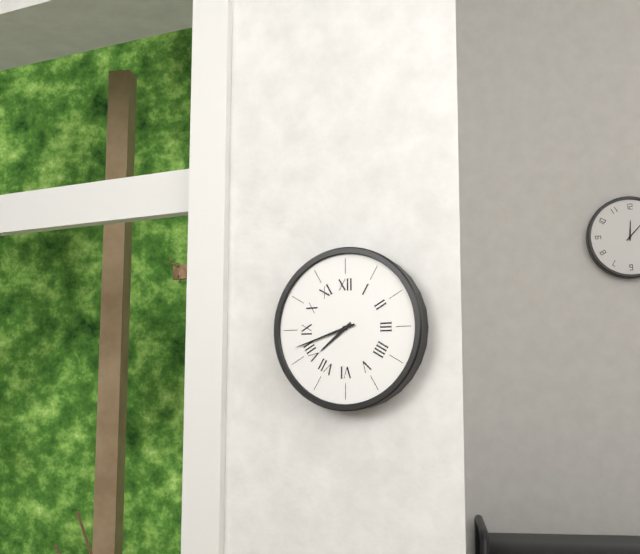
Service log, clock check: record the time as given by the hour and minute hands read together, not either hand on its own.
7:42
